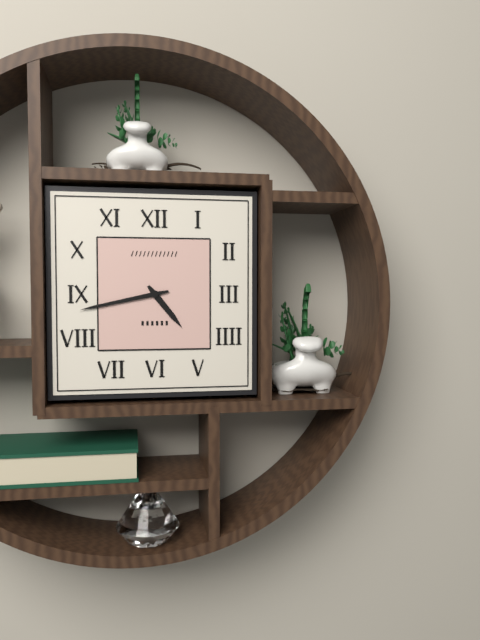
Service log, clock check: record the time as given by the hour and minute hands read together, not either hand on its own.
4:43
